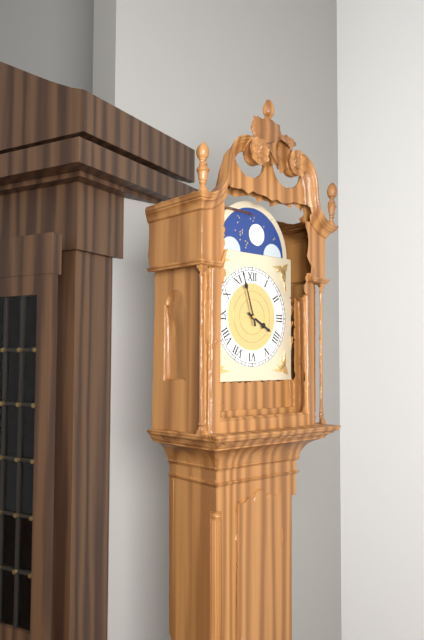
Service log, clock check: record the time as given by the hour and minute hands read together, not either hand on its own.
3:57
